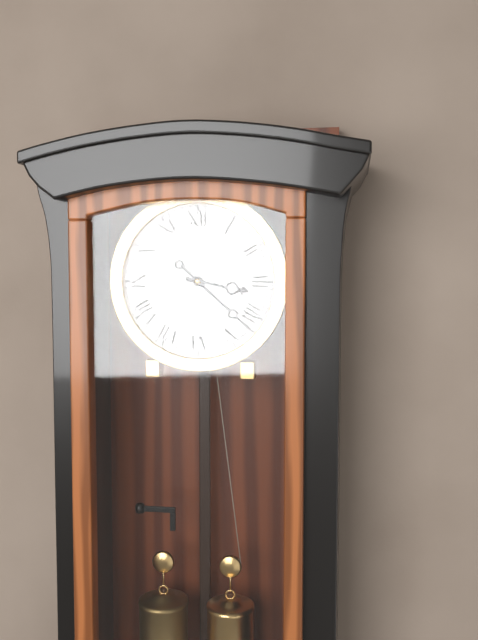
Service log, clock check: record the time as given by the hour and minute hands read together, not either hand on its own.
3:22
